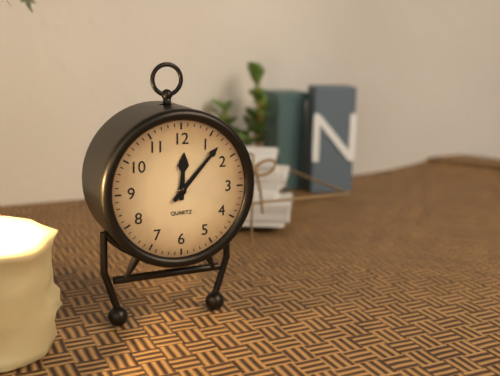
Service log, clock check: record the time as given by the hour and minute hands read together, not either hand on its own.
12:07
